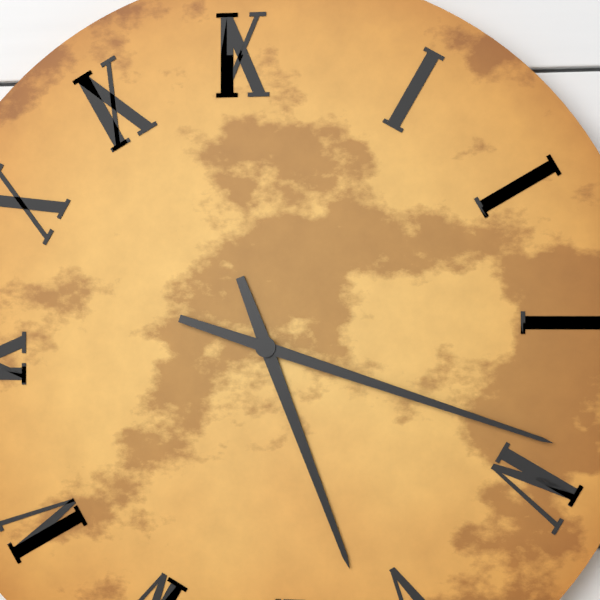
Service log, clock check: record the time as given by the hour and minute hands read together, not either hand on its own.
5:18
